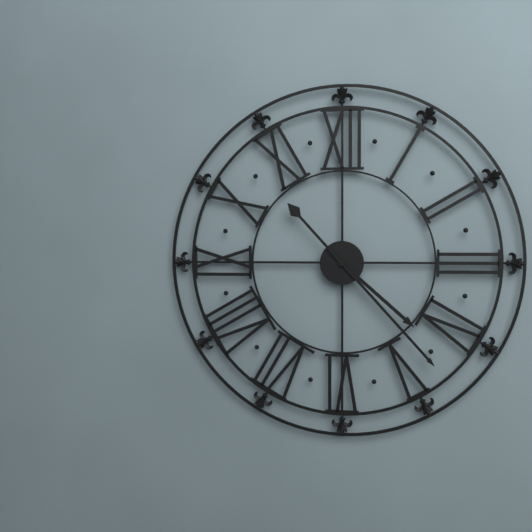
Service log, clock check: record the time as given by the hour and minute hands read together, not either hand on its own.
4:23
